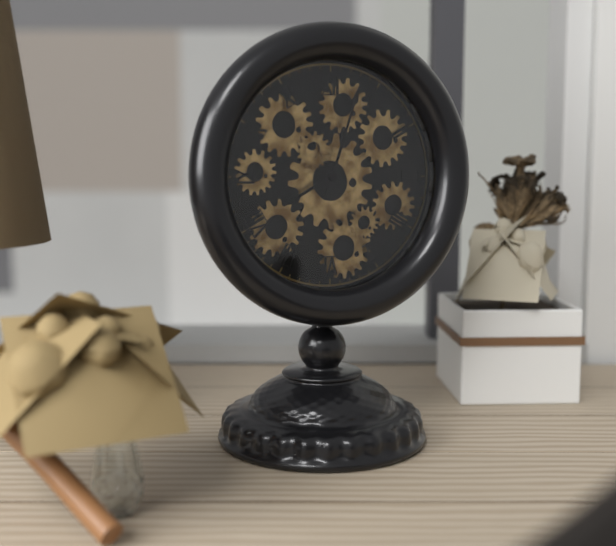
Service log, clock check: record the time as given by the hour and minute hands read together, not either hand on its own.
8:03
